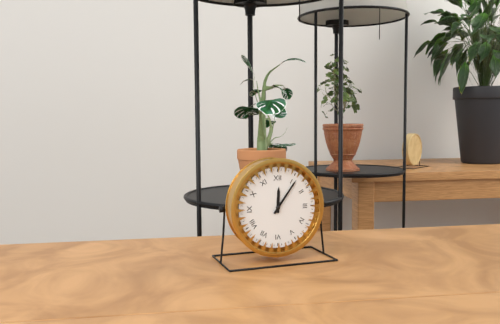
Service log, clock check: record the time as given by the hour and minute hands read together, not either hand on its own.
12:06
